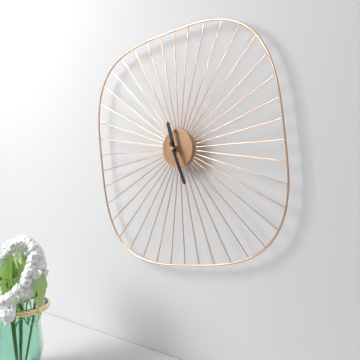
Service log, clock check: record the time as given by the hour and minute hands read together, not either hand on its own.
11:26
